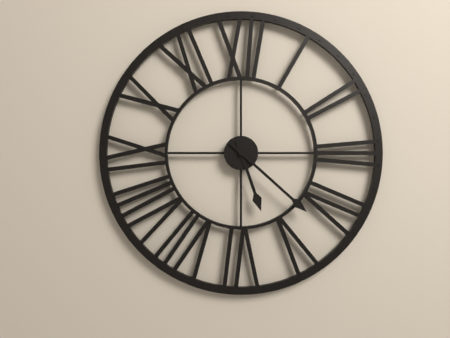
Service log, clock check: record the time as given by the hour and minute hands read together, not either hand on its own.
5:22
